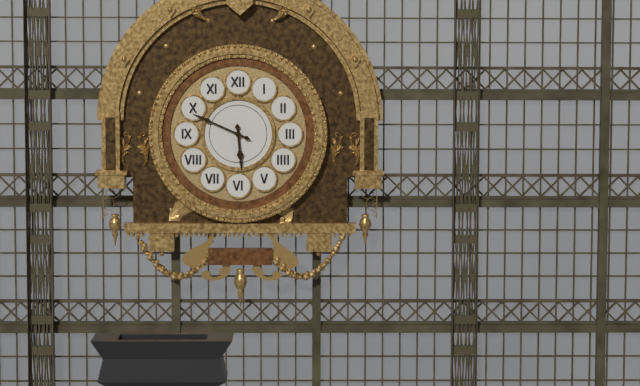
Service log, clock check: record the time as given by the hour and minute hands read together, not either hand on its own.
5:49
